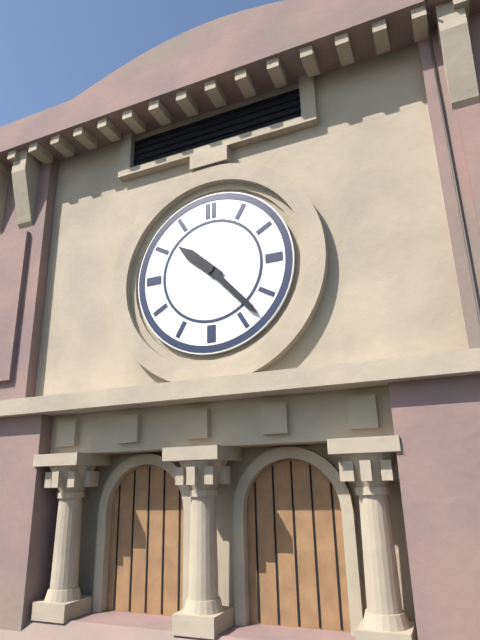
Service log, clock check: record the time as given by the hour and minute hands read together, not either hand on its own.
10:23
